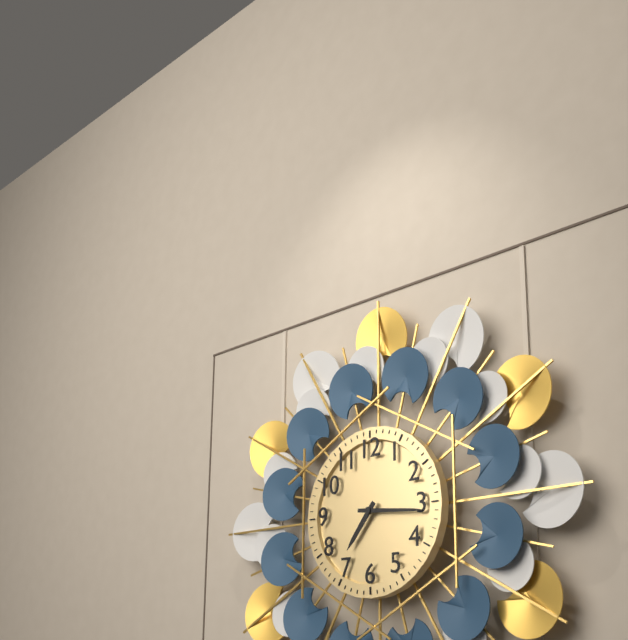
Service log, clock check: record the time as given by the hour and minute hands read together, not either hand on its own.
7:16
